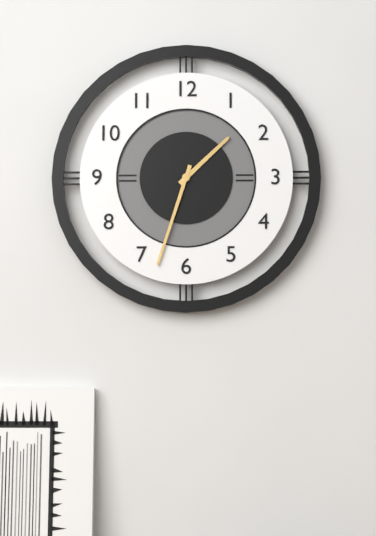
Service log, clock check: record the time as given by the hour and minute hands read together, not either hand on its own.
1:33
